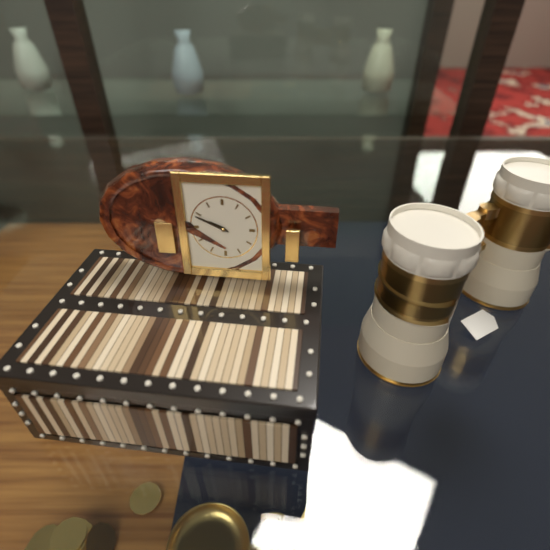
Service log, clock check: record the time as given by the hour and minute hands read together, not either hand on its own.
9:49
